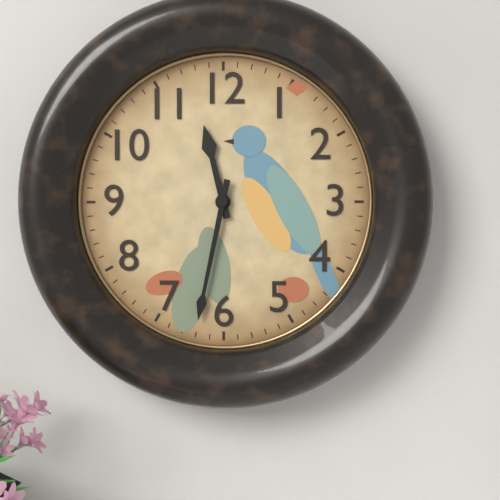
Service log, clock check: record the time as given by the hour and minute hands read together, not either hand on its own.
11:32
